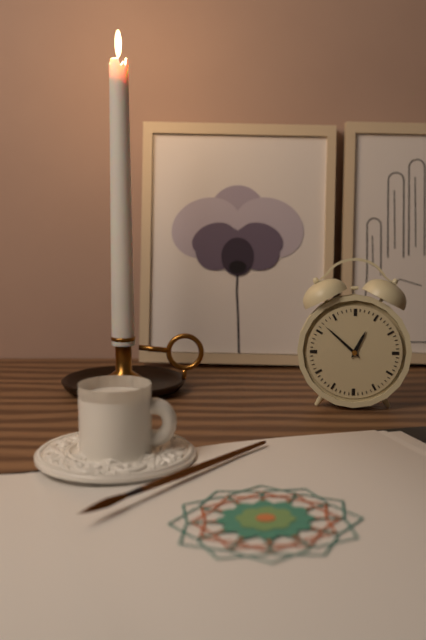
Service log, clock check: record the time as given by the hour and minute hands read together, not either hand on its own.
12:52
